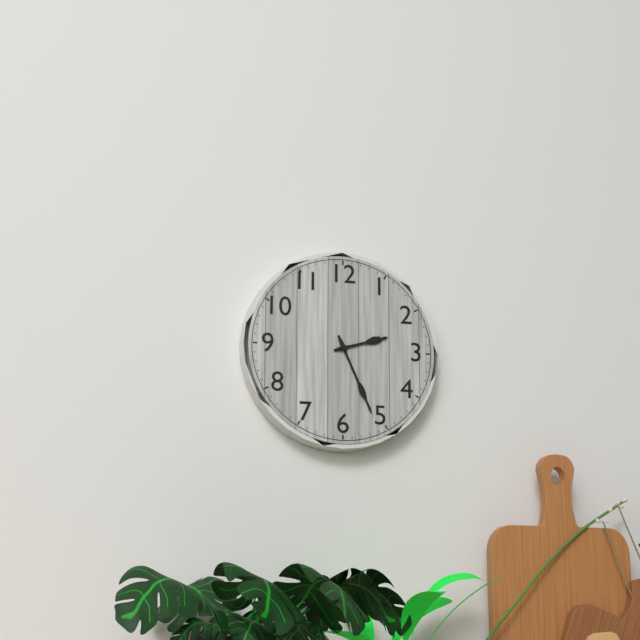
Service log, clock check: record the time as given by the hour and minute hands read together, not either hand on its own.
2:26
